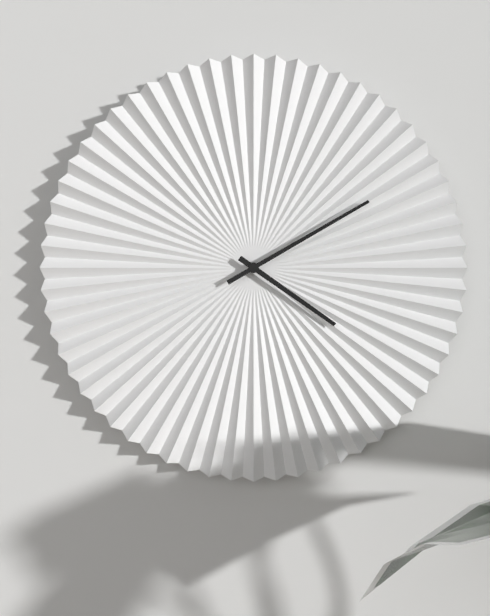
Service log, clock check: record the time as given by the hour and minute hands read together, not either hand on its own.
4:10
